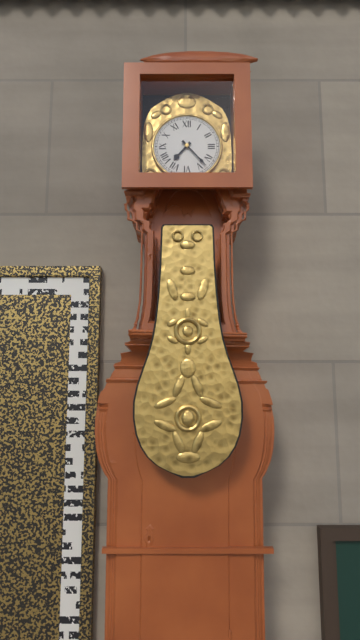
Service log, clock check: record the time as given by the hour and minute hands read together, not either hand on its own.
7:23
